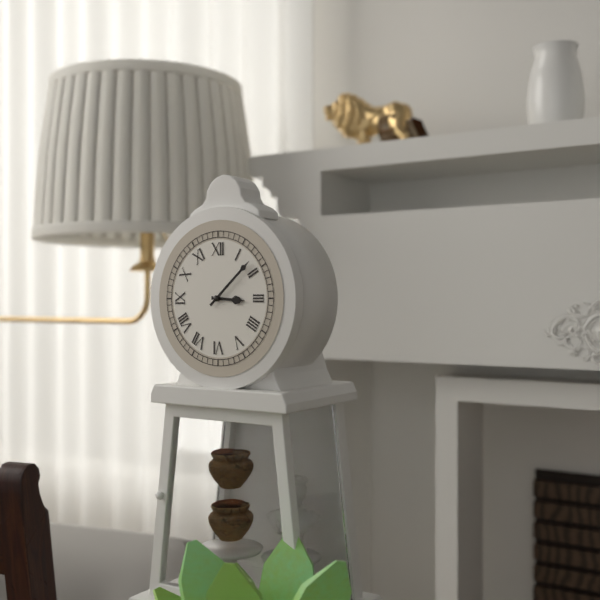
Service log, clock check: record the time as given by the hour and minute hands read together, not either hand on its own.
3:08
